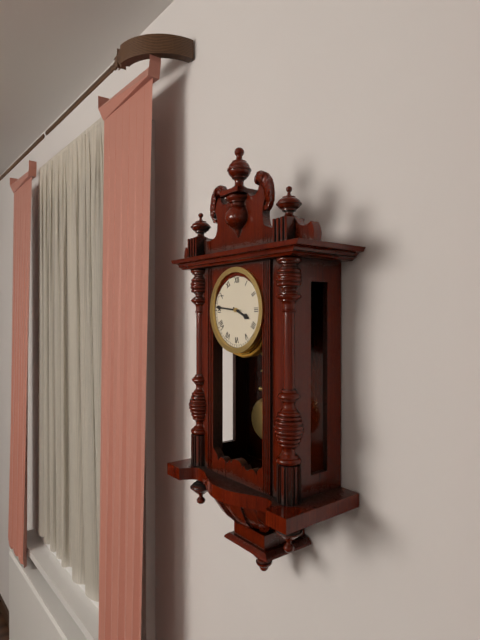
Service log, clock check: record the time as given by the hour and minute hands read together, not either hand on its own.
3:46
